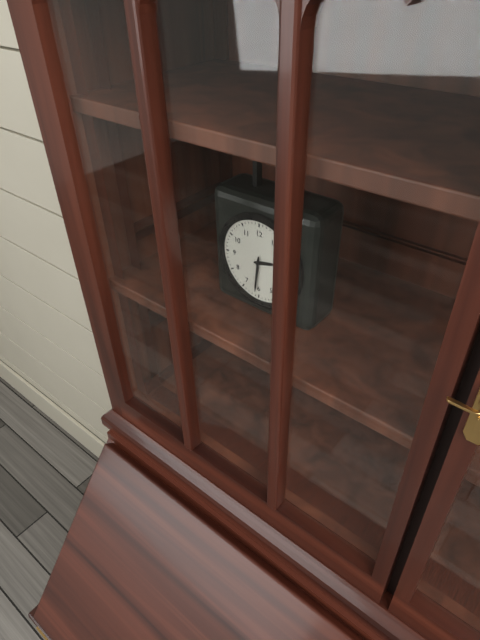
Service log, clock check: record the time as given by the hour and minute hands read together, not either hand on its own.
2:31
